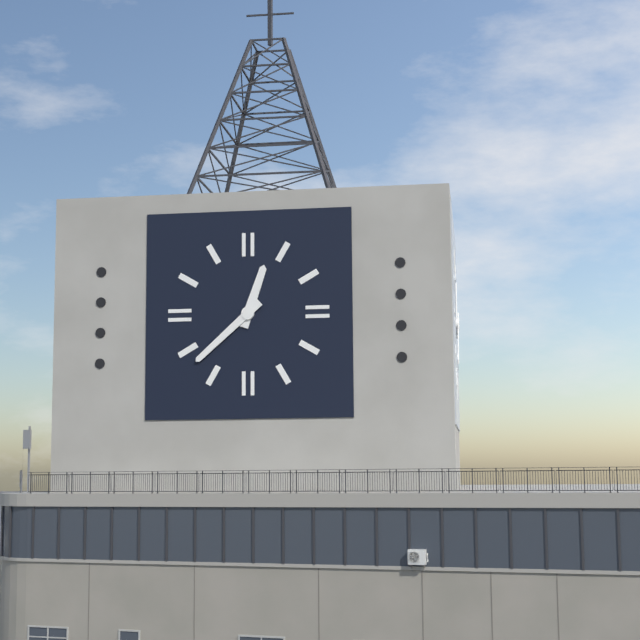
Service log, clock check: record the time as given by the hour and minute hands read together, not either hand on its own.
12:38
